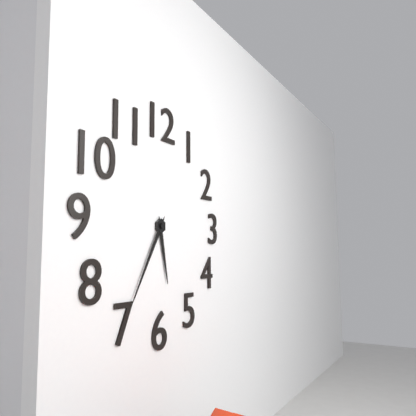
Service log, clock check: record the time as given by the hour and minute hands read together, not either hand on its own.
5:35
